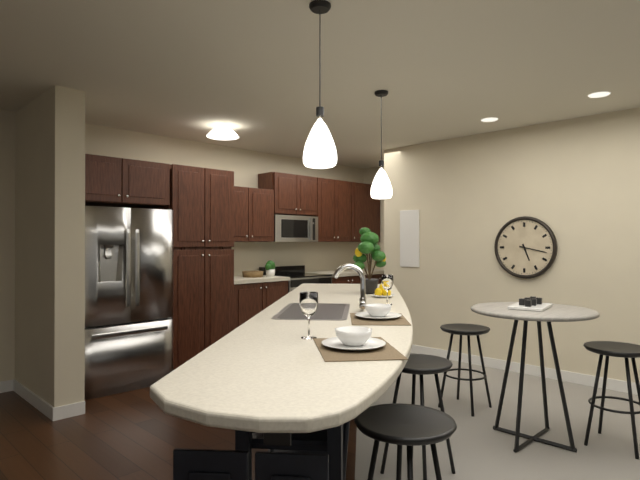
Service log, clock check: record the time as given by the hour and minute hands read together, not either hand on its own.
5:17
